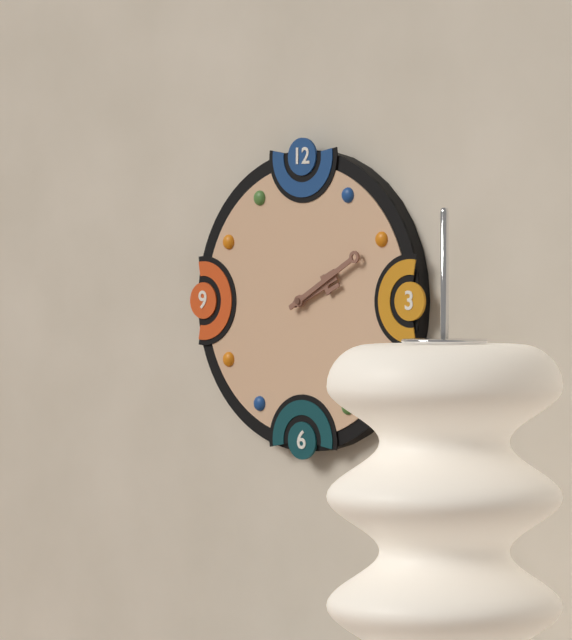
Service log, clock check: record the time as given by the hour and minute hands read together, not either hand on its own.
2:10
